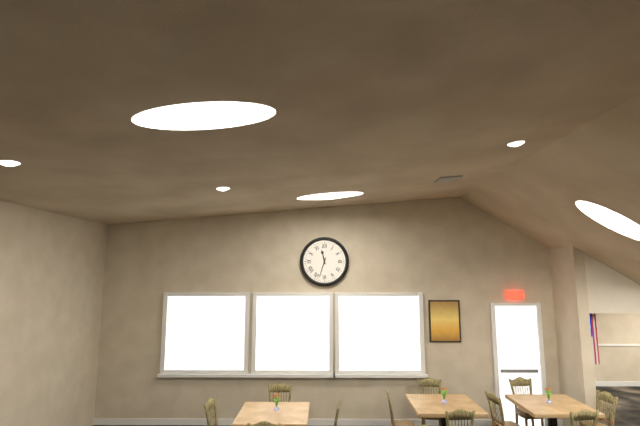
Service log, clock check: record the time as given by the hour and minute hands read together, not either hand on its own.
11:33
